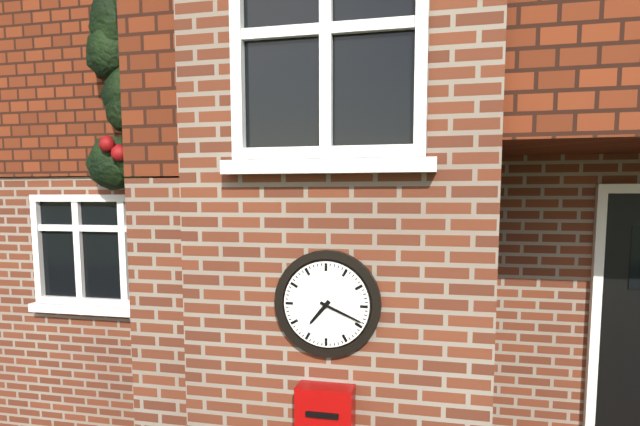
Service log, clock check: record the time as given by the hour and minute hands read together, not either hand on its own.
7:19
